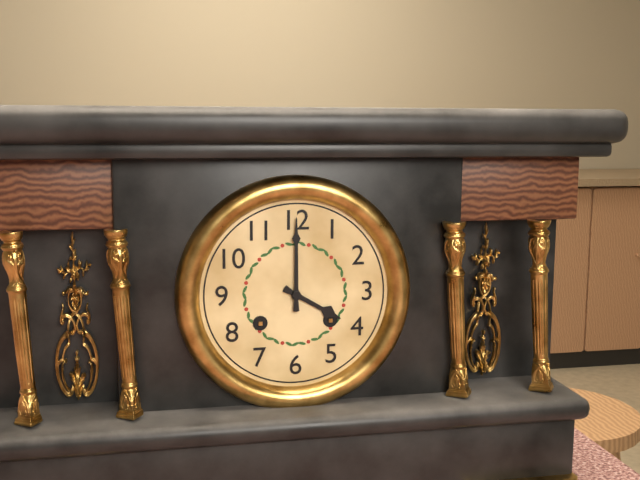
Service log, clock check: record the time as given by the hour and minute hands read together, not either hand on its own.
4:00
